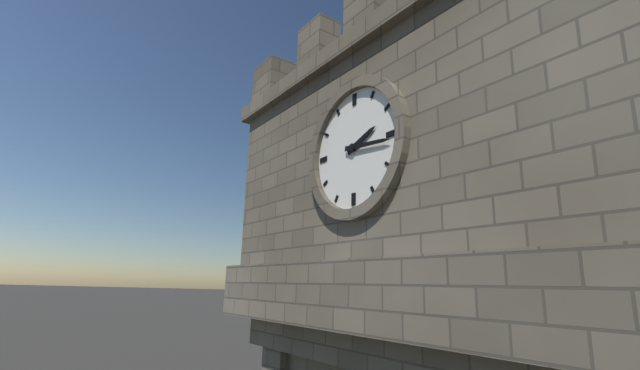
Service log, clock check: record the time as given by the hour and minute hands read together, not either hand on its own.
2:16
